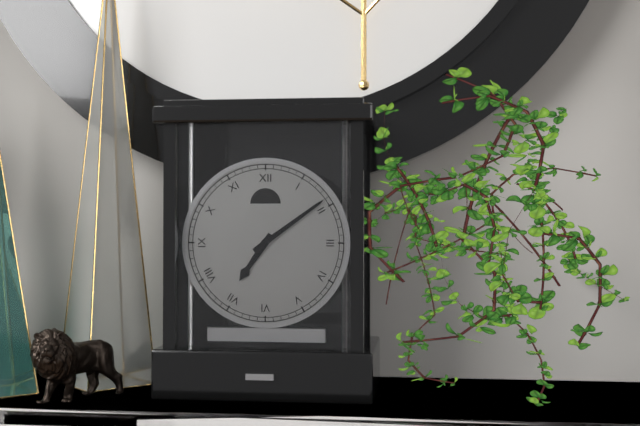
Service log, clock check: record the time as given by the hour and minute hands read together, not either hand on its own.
7:09
